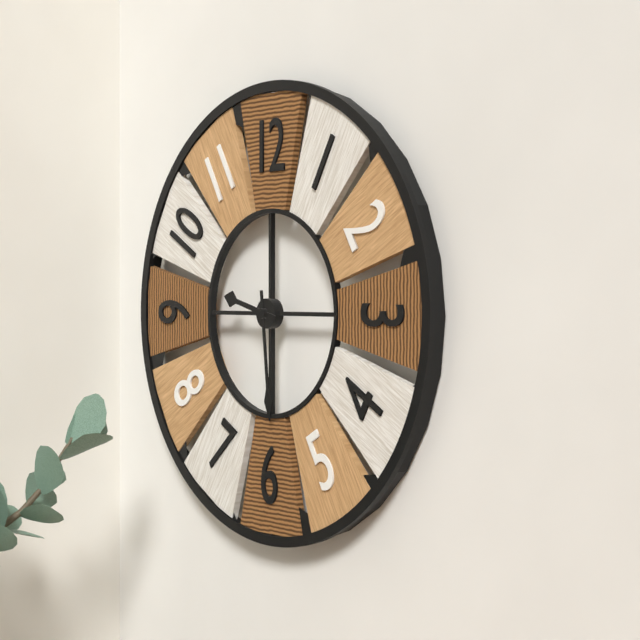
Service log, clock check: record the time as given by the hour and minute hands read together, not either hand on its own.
9:29
